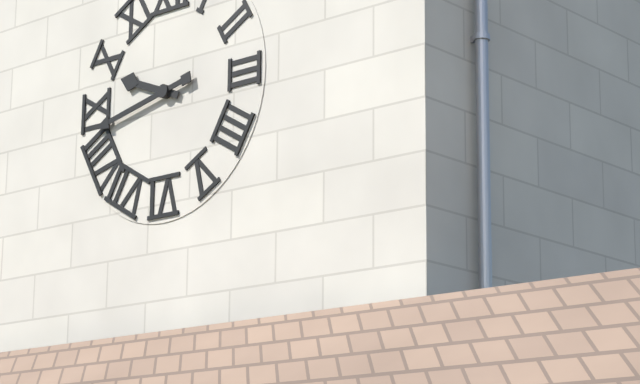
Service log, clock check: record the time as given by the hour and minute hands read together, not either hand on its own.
9:43
